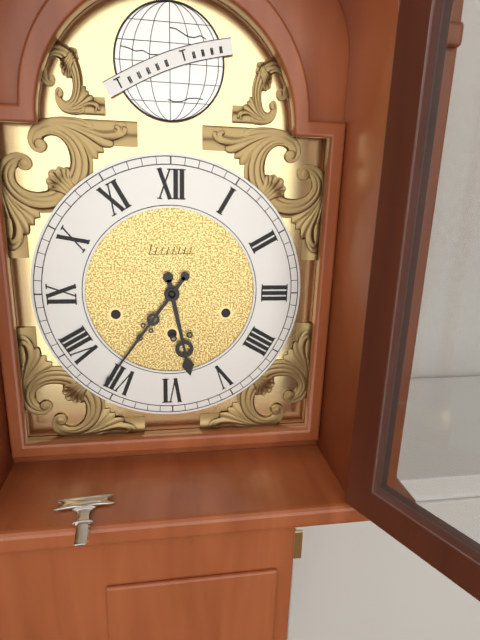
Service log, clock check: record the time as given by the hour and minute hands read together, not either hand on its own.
5:36
